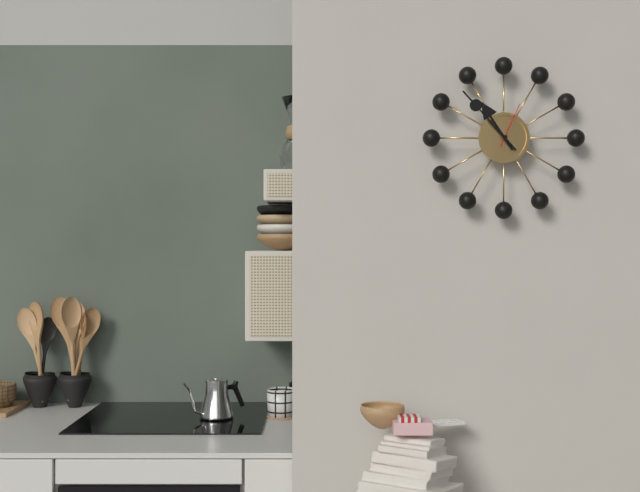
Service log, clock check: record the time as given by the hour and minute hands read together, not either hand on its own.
10:53
